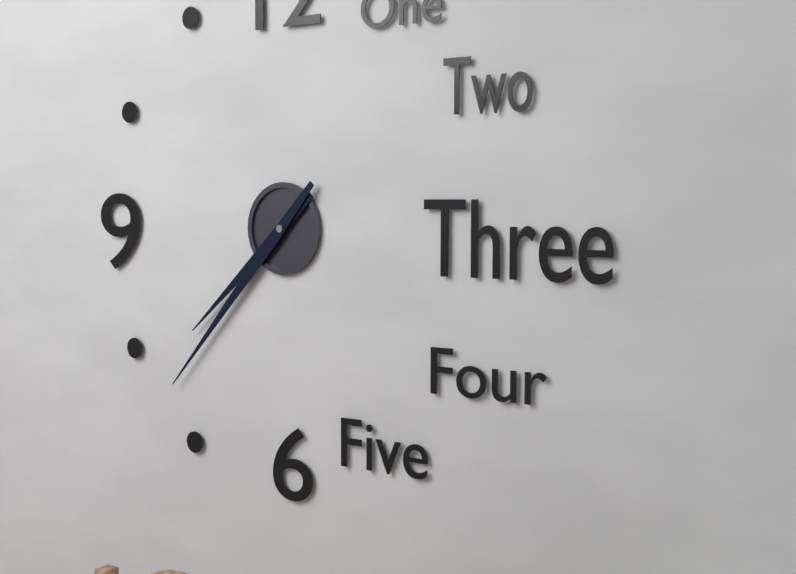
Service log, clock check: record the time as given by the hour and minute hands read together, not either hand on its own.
7:37
